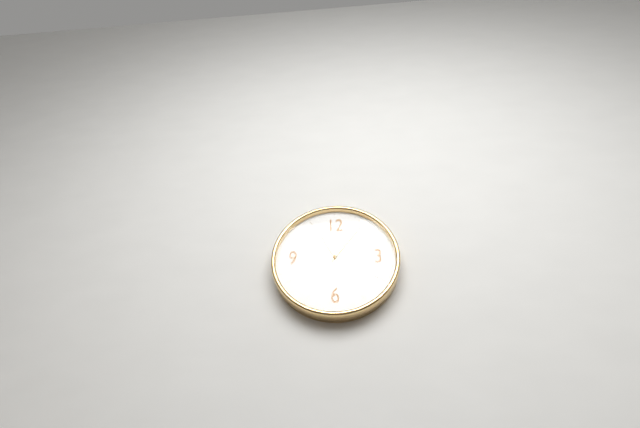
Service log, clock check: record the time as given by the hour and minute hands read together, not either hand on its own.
11:06
